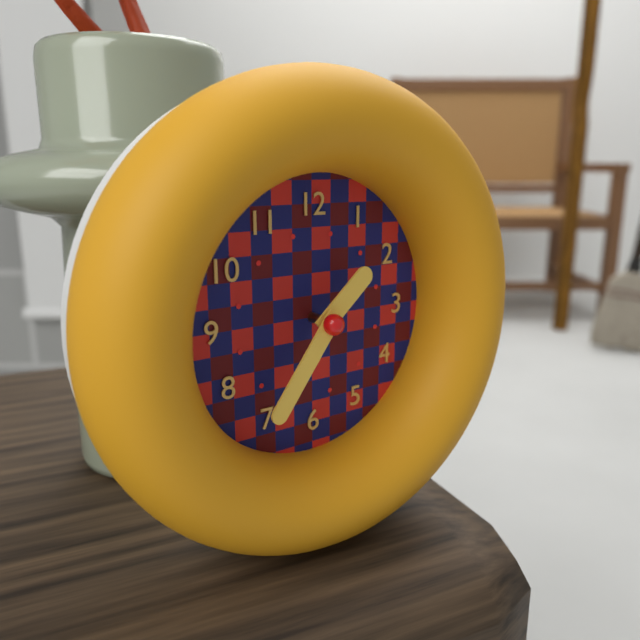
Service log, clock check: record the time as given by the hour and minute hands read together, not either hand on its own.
1:36
